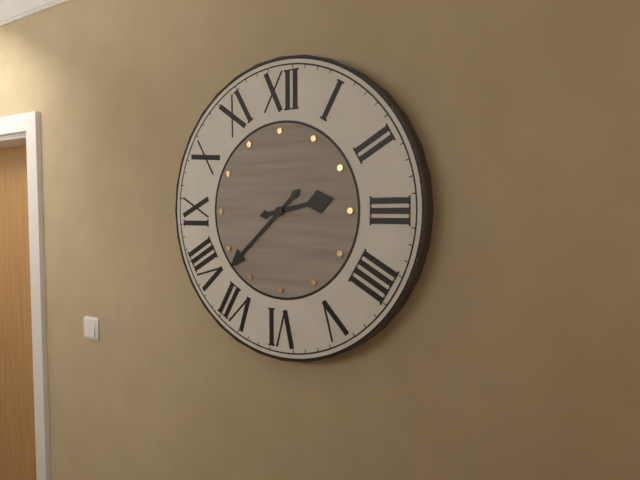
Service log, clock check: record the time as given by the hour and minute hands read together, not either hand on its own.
2:38
